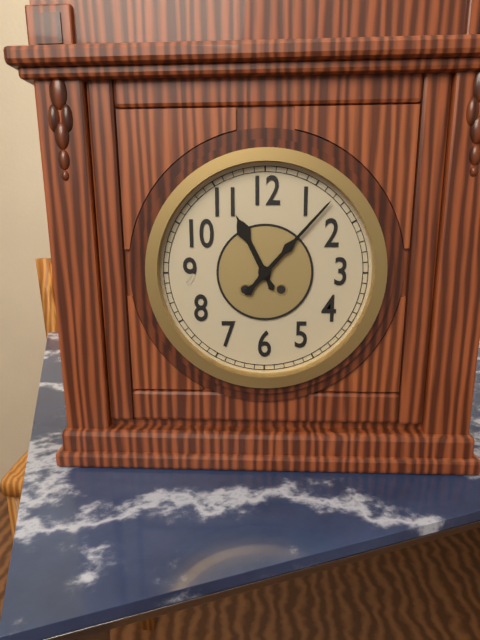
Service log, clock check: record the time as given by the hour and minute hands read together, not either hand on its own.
11:07
